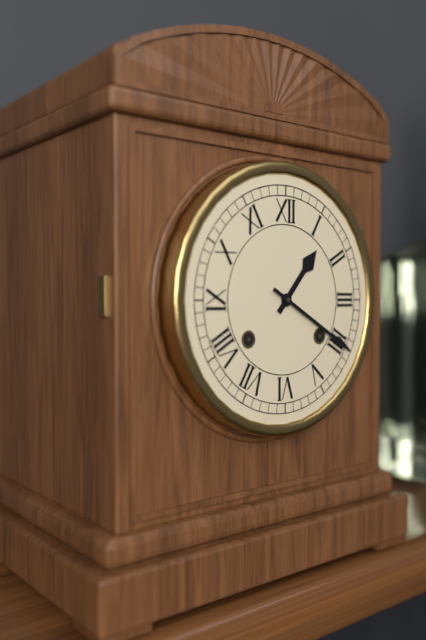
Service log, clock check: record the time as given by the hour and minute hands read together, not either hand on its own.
1:20
